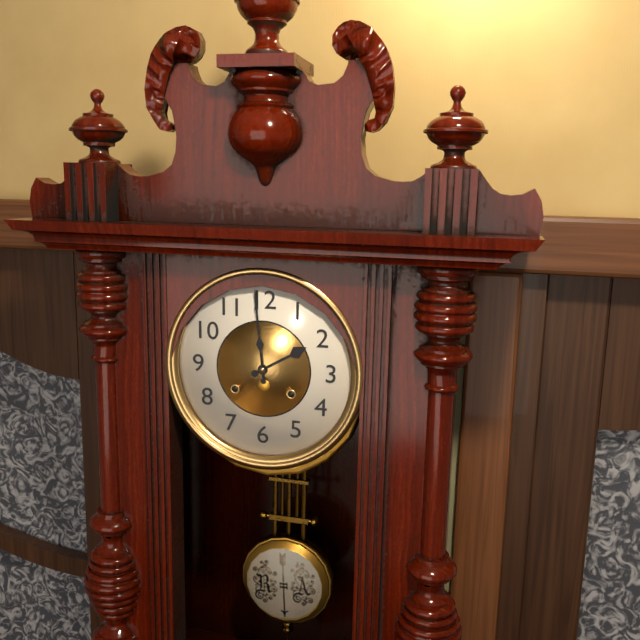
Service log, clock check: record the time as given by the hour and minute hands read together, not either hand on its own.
1:59
